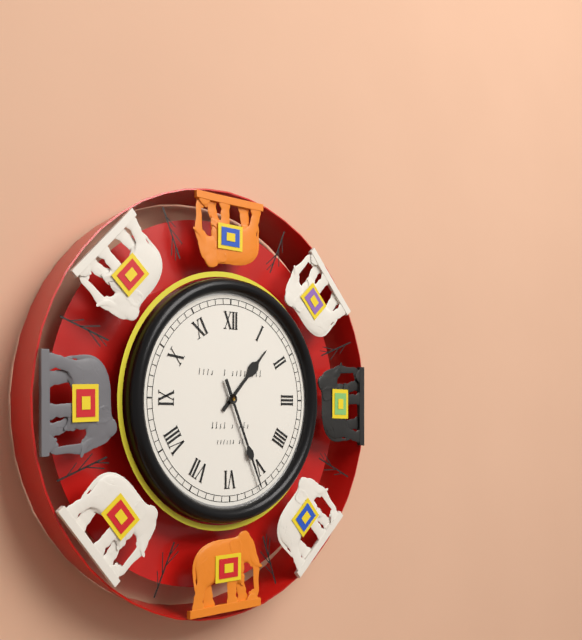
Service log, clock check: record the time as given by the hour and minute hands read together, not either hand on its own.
1:26
